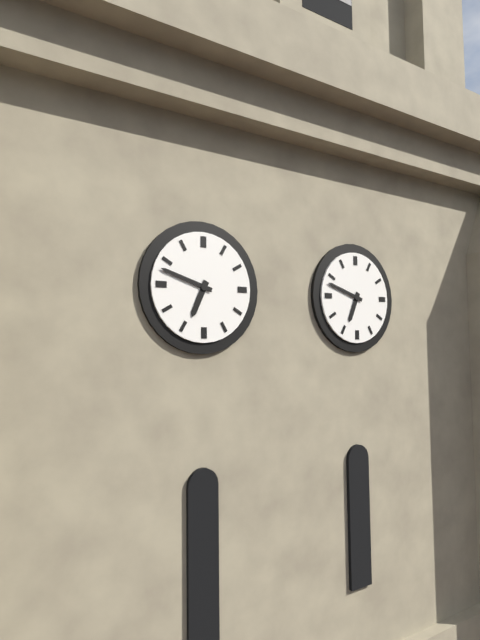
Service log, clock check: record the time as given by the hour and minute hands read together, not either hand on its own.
6:48
